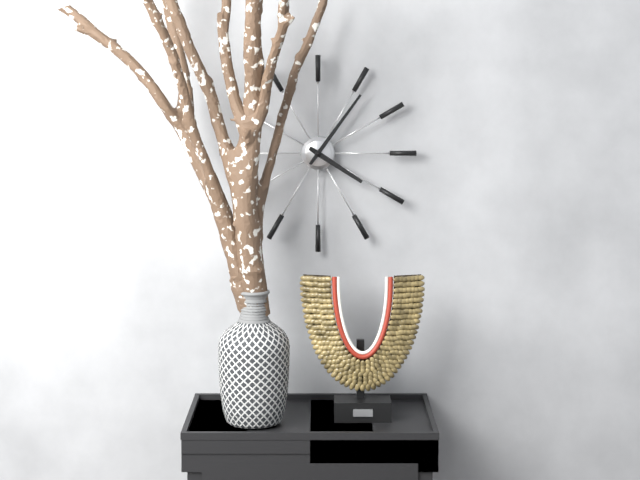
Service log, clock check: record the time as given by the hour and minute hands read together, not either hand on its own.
4:06
